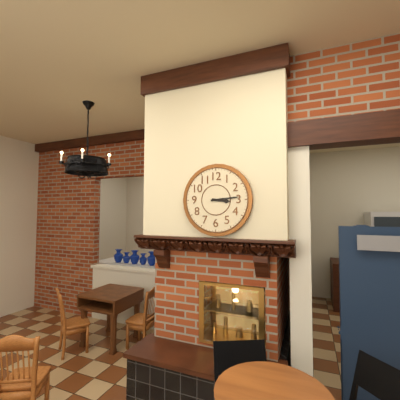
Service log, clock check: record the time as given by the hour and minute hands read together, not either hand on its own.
3:14
